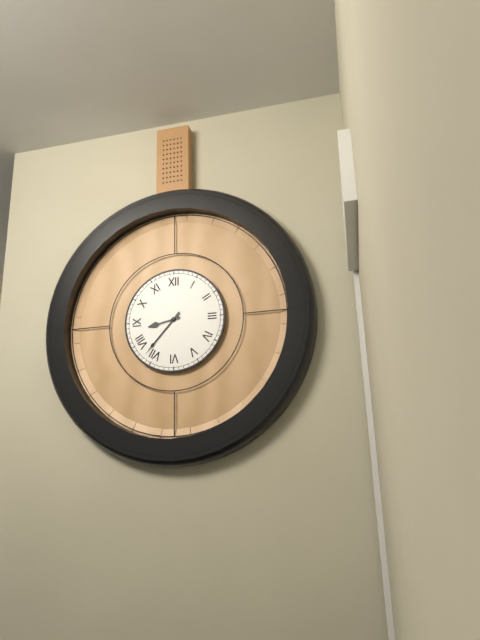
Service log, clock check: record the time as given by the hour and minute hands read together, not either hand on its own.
8:37
